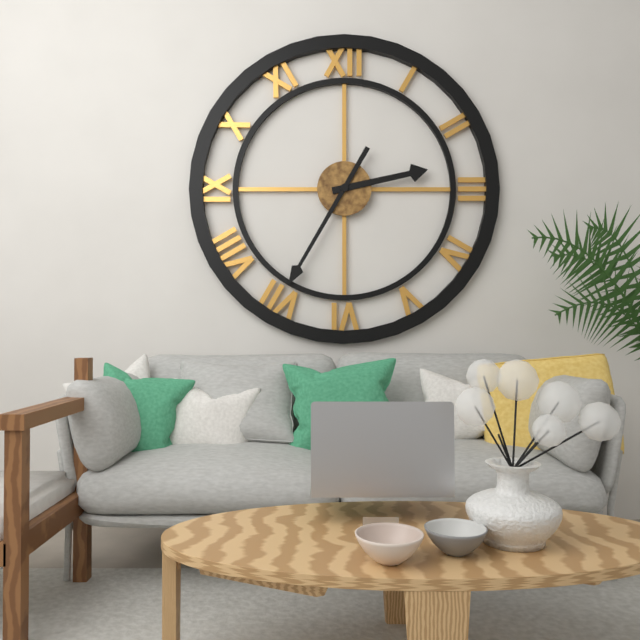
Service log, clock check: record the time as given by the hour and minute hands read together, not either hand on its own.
2:35
